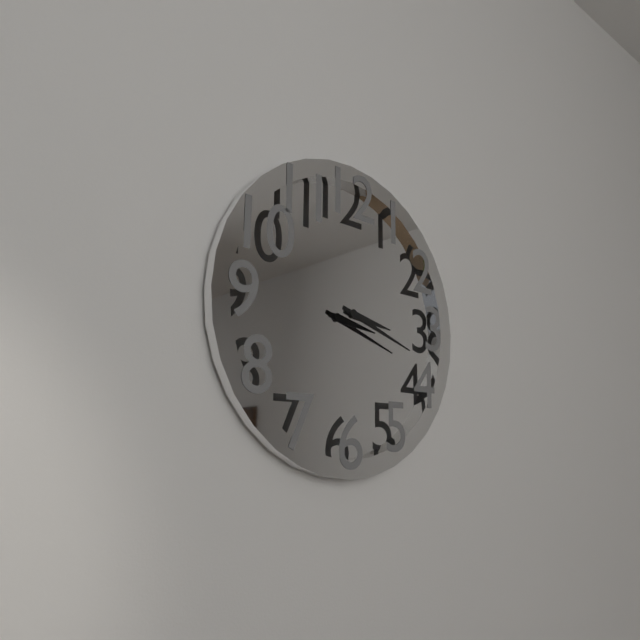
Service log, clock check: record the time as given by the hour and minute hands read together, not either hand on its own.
3:18
